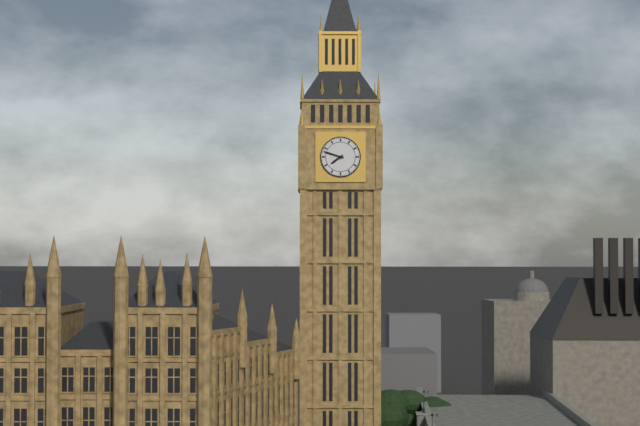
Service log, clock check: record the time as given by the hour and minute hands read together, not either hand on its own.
7:48
